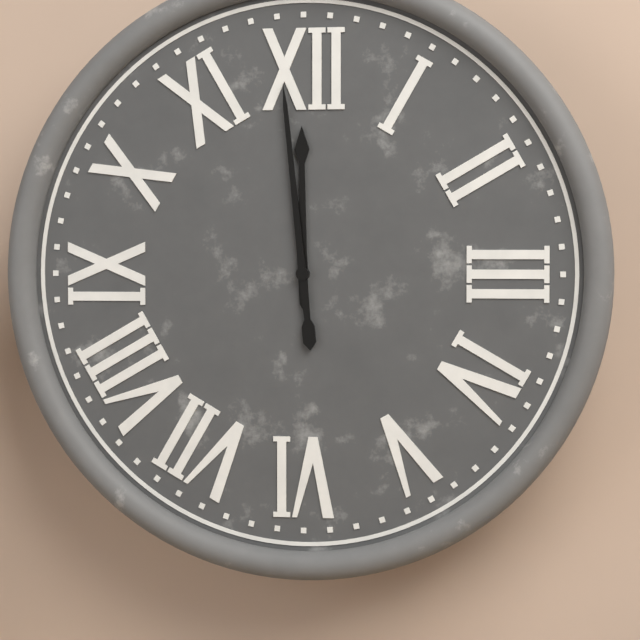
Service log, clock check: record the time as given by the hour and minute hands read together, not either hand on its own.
11:59
